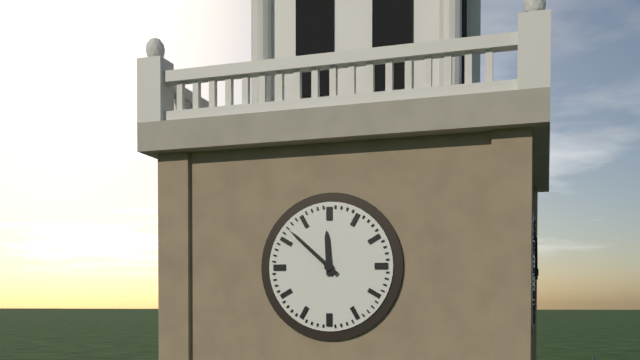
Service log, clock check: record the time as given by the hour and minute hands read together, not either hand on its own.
11:52
